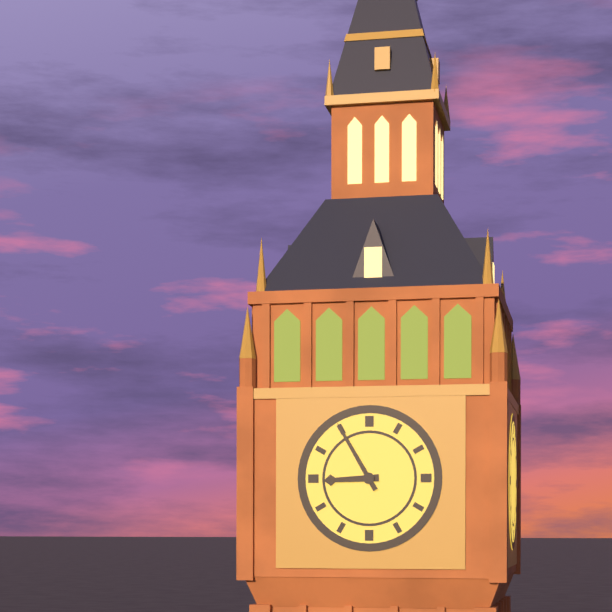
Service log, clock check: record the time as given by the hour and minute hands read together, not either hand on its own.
8:55
